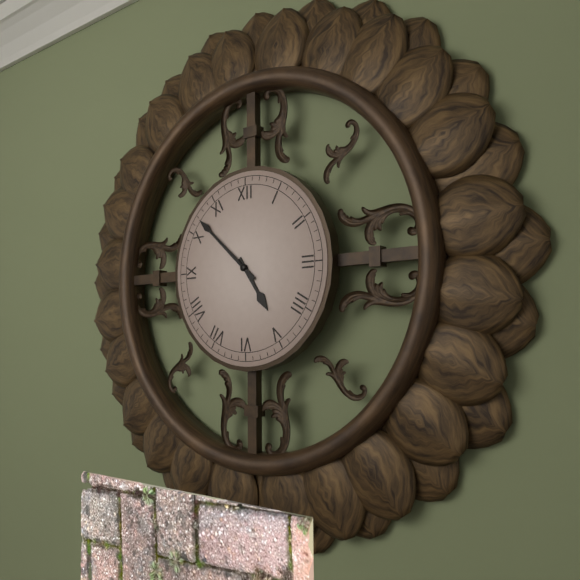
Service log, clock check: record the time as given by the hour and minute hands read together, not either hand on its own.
4:52
